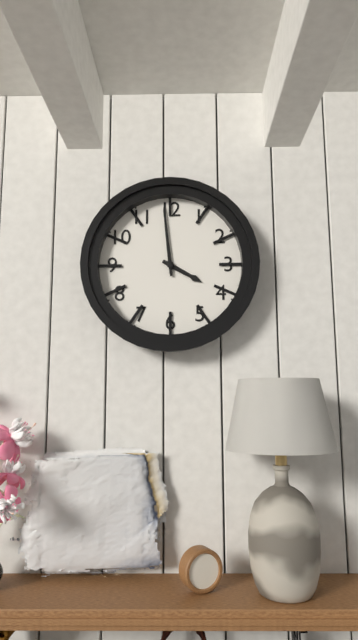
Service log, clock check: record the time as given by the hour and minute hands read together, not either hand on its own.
3:59
